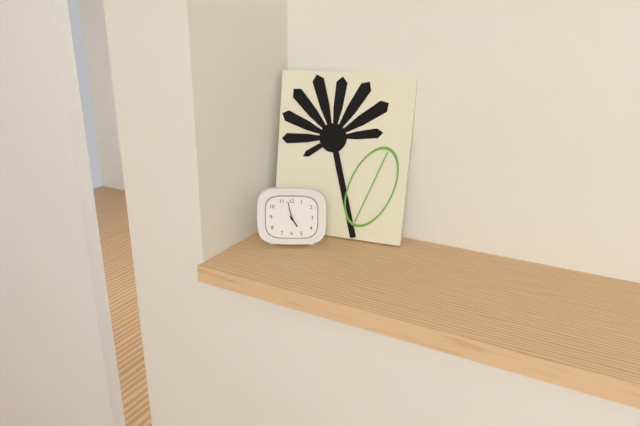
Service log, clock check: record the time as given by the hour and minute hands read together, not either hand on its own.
4:58
